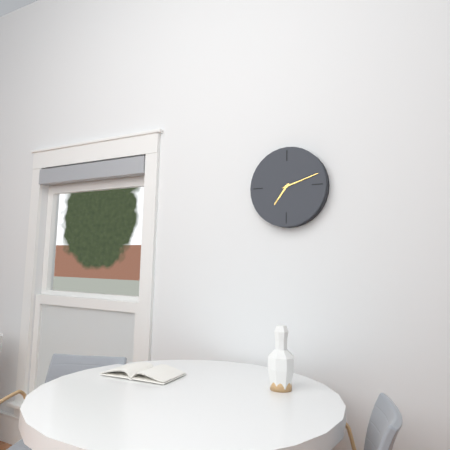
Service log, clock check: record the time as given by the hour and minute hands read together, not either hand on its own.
7:12
